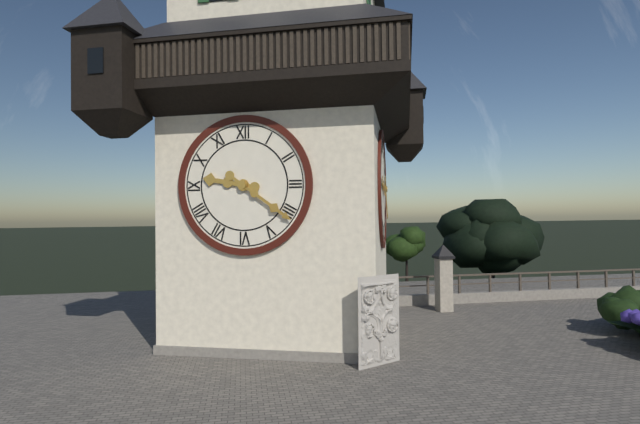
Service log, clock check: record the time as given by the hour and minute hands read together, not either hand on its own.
9:21
